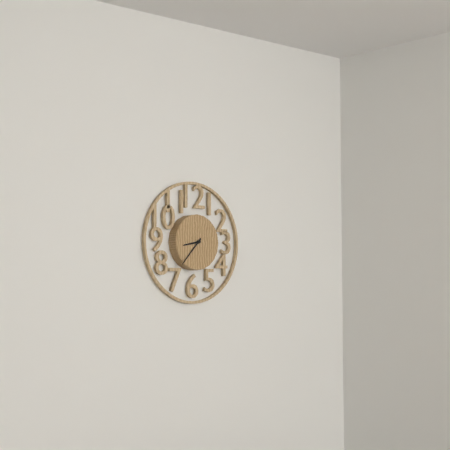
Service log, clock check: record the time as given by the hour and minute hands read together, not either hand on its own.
8:37
